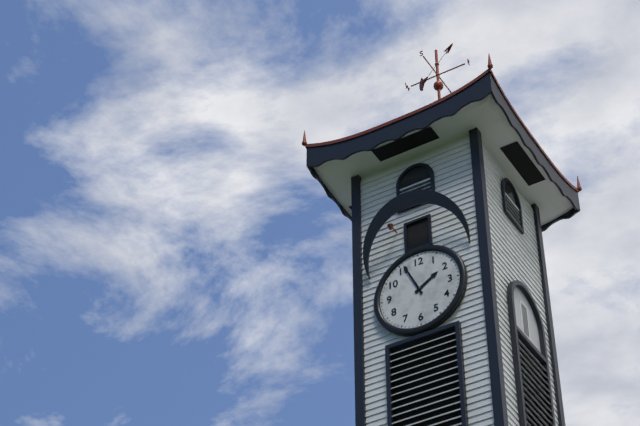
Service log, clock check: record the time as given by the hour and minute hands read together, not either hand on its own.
1:56
